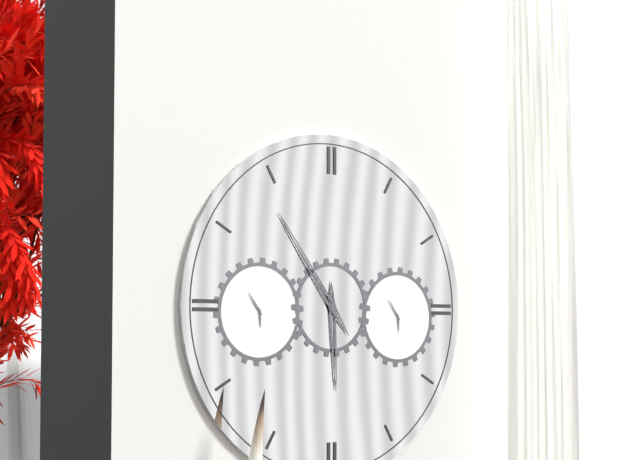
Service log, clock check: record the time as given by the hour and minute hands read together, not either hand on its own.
5:54
